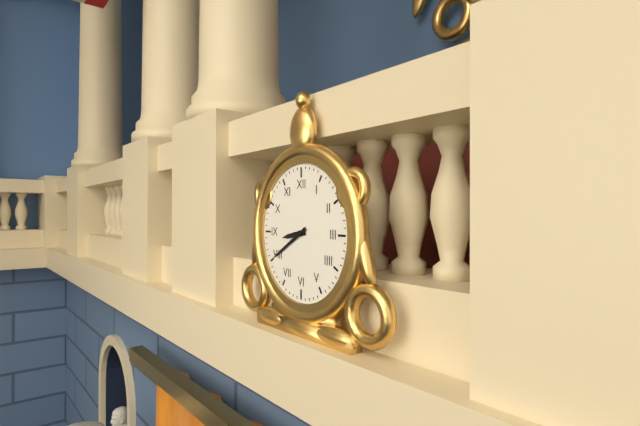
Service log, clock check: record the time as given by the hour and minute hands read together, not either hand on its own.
8:40
